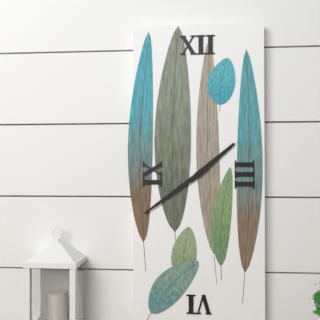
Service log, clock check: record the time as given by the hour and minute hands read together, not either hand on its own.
1:39
